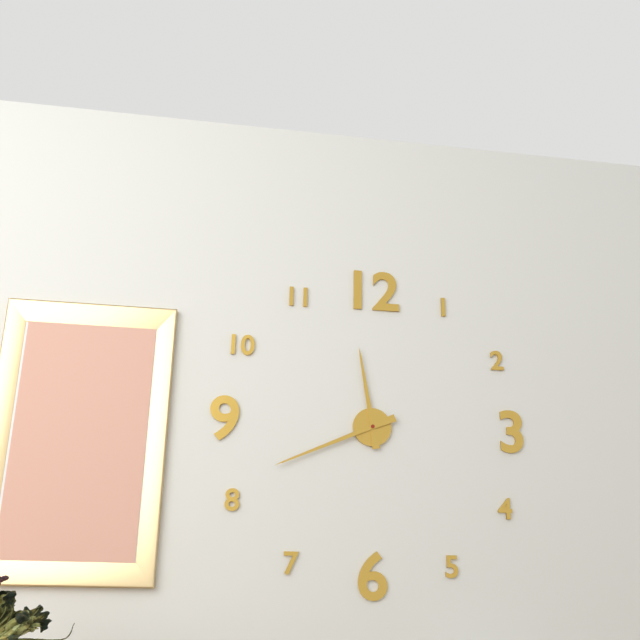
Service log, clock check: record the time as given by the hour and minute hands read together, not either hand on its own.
11:41
